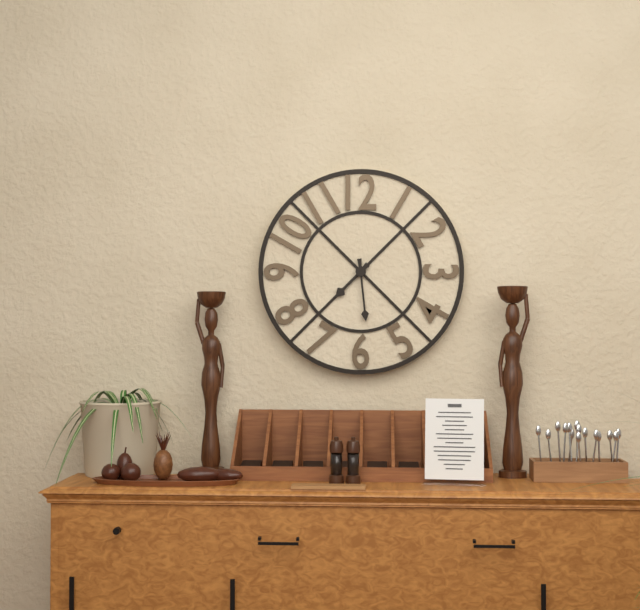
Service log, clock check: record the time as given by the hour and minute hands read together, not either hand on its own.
7:29
